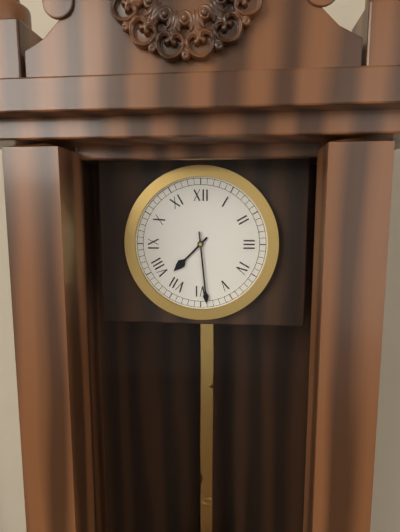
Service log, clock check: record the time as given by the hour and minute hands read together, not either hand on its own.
7:29
